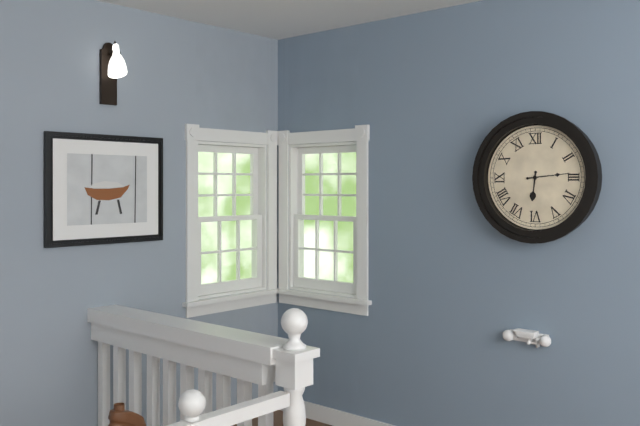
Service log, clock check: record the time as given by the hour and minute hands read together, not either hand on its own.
6:14
